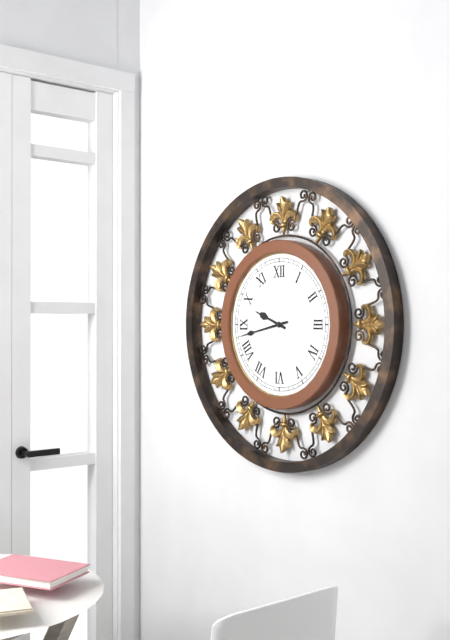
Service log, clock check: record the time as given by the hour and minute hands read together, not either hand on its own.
9:43
